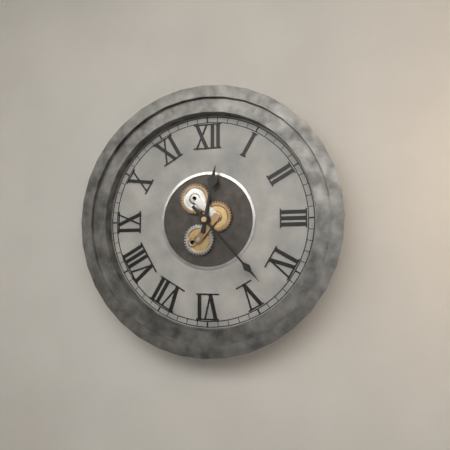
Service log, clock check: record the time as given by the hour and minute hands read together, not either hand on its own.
12:23
